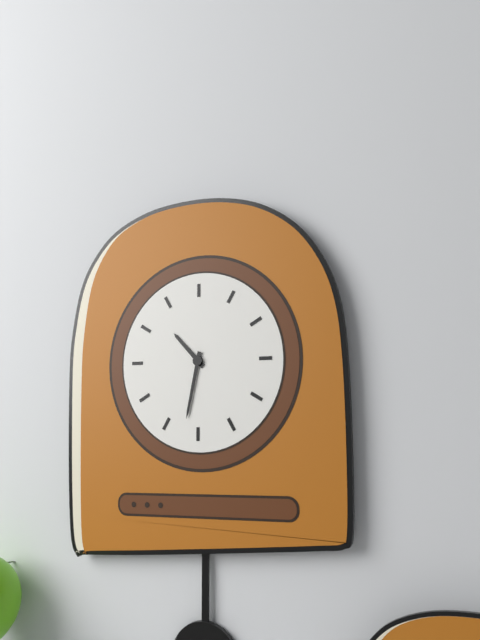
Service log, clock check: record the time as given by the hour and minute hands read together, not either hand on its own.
10:32
